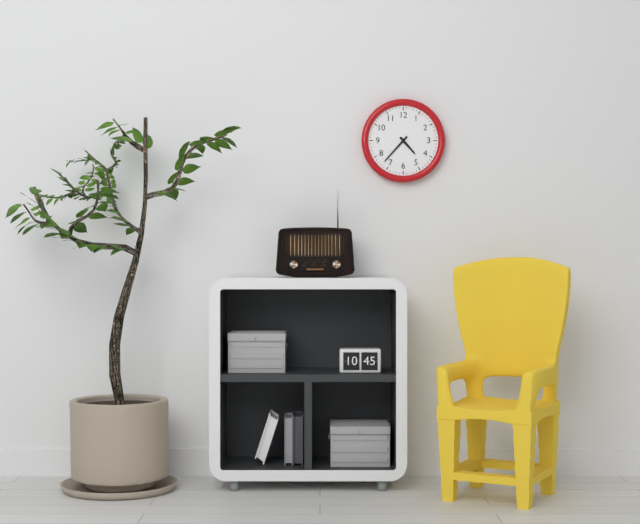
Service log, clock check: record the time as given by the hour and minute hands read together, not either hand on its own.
4:37
